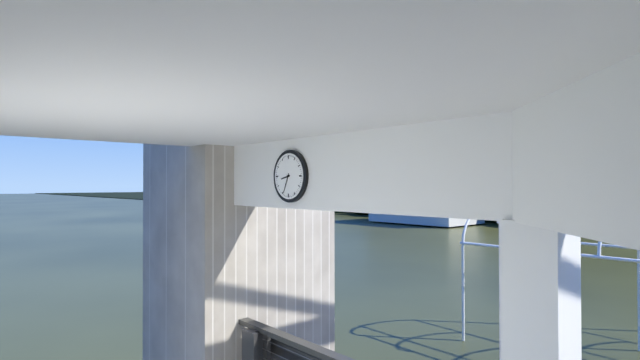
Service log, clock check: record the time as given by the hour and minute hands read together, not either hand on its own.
8:34
